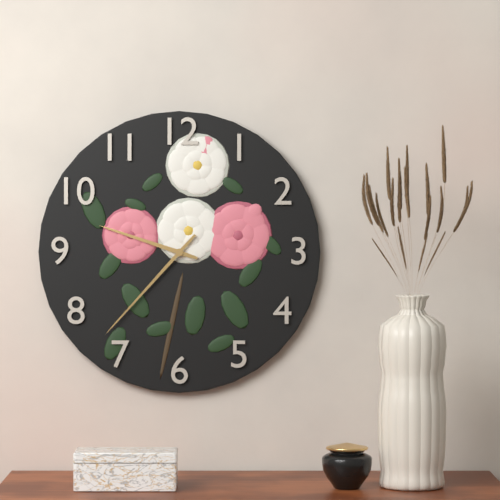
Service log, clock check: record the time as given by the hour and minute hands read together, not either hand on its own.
9:37
